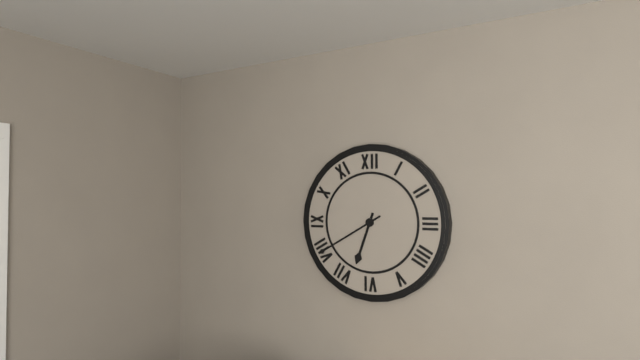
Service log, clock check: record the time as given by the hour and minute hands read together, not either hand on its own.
6:40
